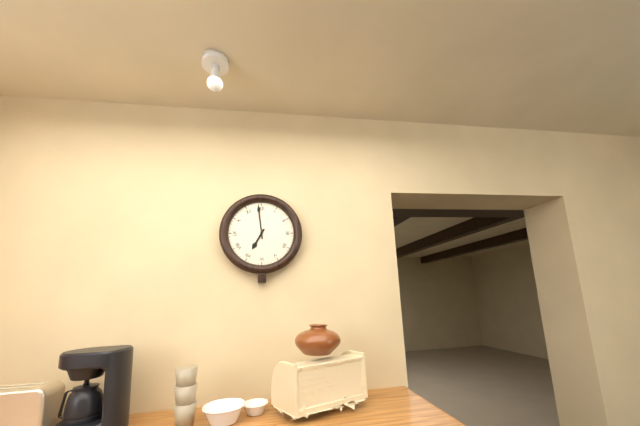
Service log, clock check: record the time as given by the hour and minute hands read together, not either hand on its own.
6:59
